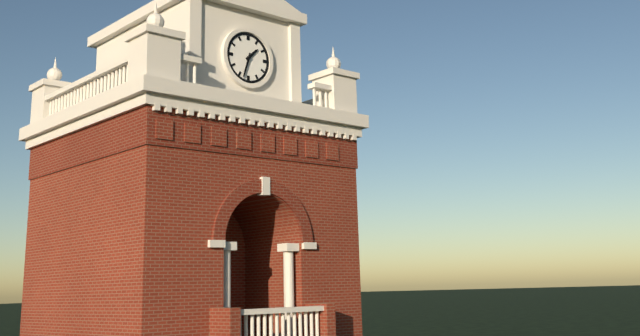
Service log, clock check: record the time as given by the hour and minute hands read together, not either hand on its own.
1:33
